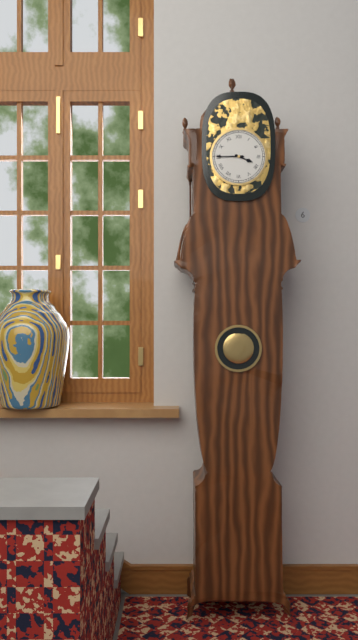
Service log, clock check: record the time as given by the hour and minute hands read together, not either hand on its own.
3:45
